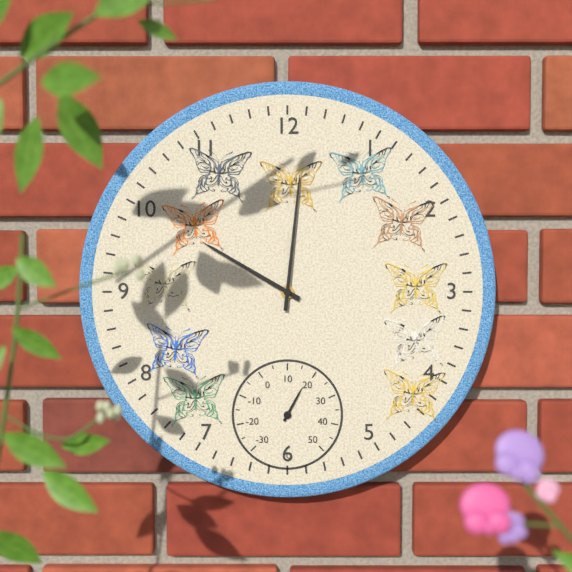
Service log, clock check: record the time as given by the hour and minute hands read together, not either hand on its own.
10:01
